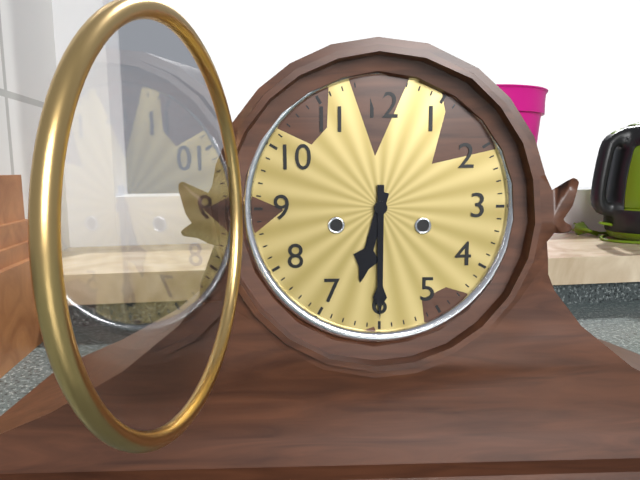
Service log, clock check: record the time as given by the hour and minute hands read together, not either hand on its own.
6:30
